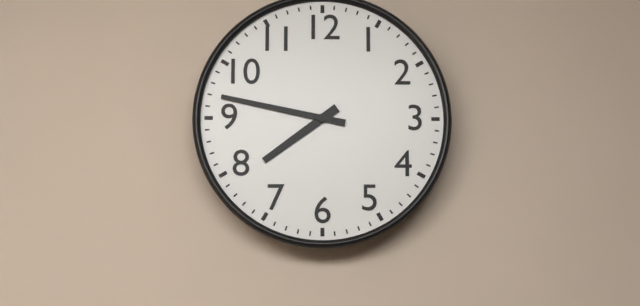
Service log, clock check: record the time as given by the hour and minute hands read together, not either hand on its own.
7:47
